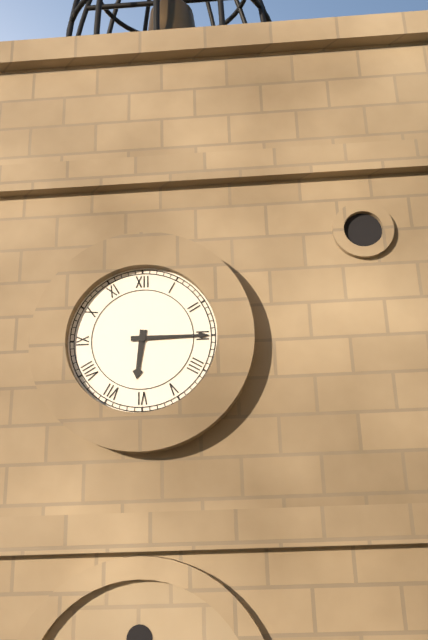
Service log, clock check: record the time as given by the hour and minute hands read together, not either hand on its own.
6:15
